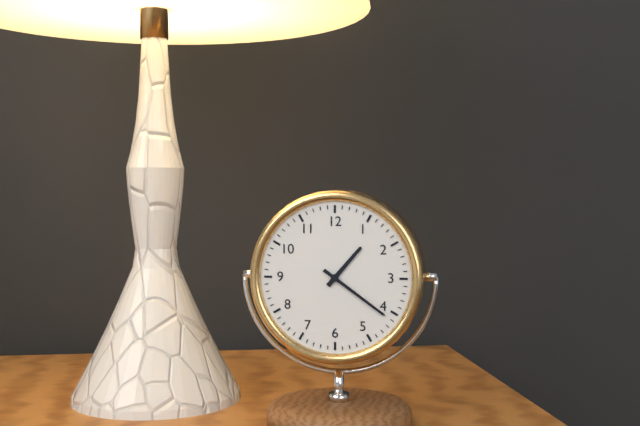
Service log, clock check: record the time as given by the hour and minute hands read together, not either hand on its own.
1:21
